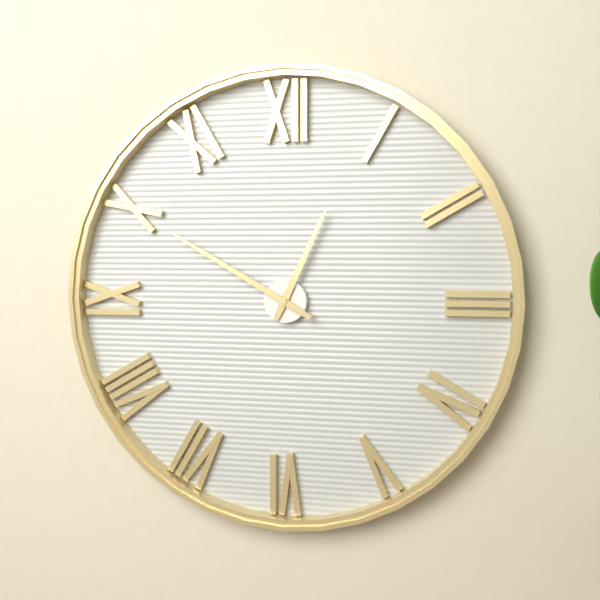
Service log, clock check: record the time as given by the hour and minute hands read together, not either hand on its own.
12:50
